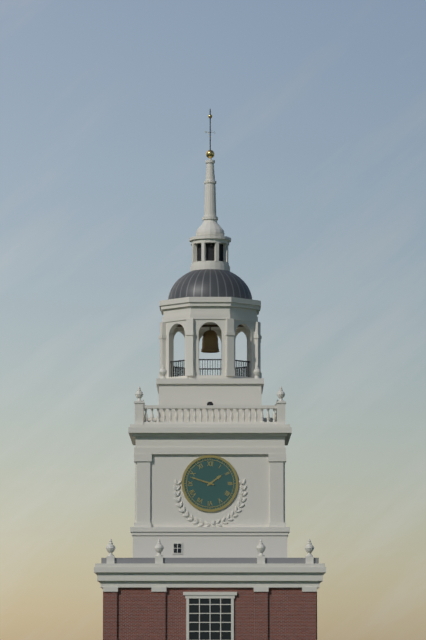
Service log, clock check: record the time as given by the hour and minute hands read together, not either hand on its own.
1:48
